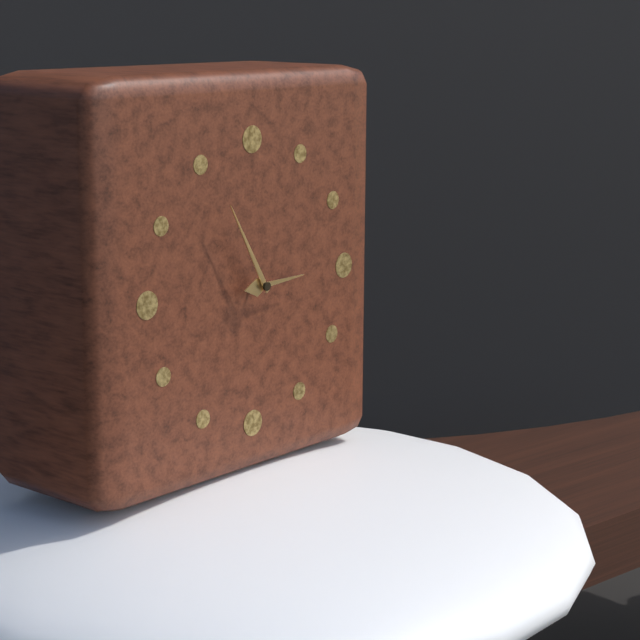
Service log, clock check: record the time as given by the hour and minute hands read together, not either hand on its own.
2:55
